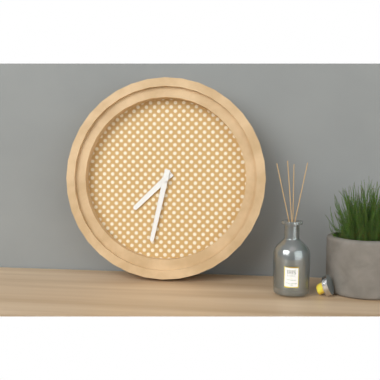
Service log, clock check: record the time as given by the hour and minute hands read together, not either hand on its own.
7:32
